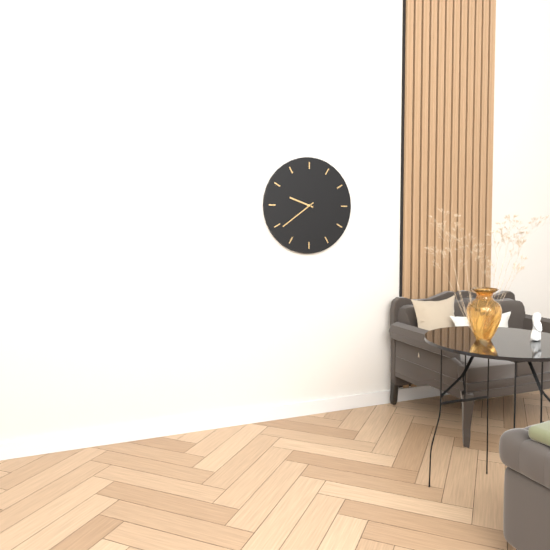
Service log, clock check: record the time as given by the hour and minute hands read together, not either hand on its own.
9:39
